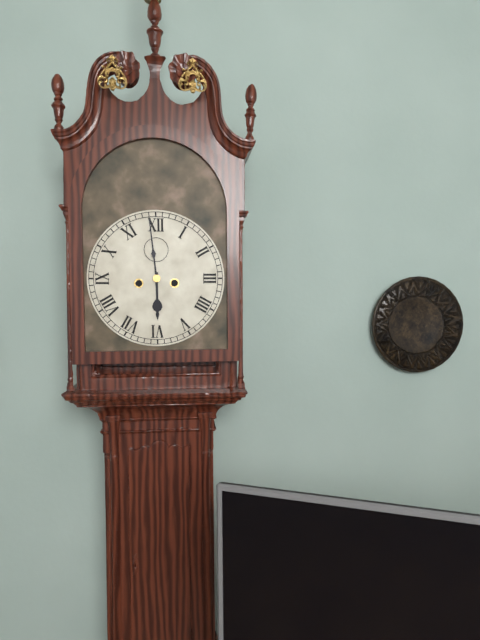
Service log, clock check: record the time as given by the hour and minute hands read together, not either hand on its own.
5:59
